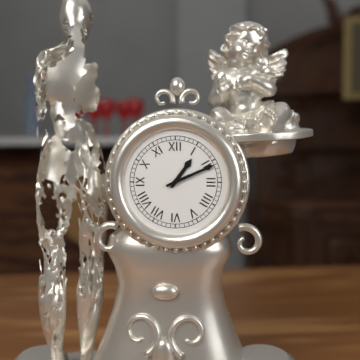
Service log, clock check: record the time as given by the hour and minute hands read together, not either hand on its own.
1:11
